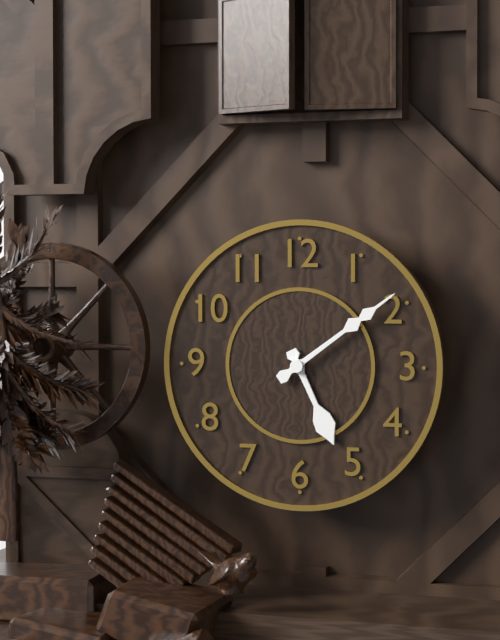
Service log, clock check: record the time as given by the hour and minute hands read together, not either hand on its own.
5:09
